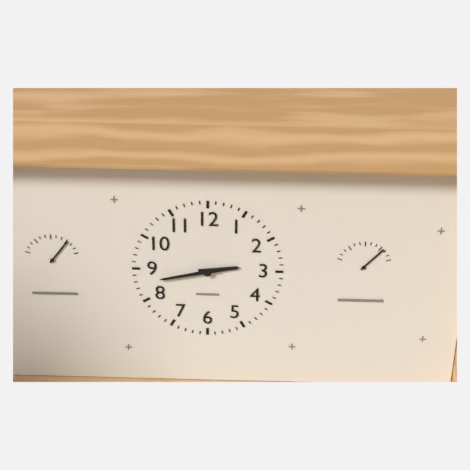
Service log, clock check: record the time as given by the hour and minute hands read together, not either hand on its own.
2:43
